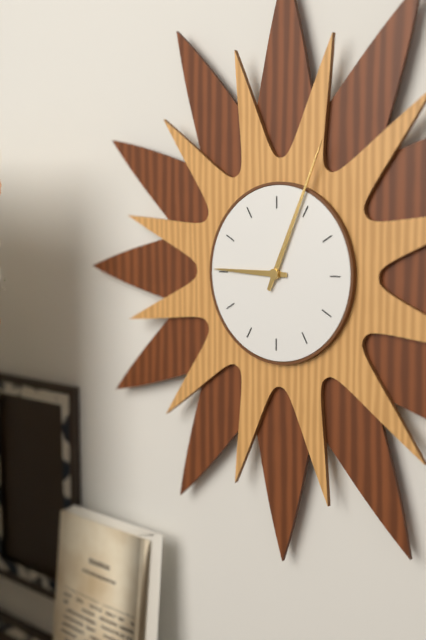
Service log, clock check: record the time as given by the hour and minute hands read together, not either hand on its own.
9:04
